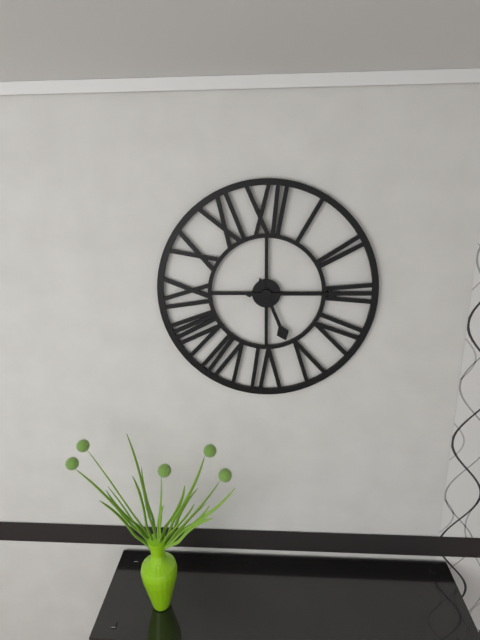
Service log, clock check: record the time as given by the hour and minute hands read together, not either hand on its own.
5:15
